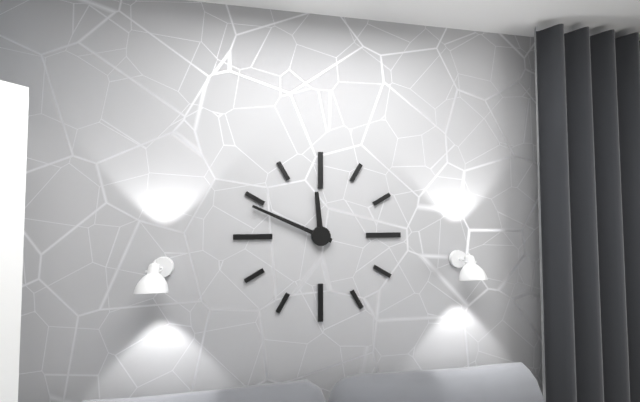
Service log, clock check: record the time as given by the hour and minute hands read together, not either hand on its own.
11:49
